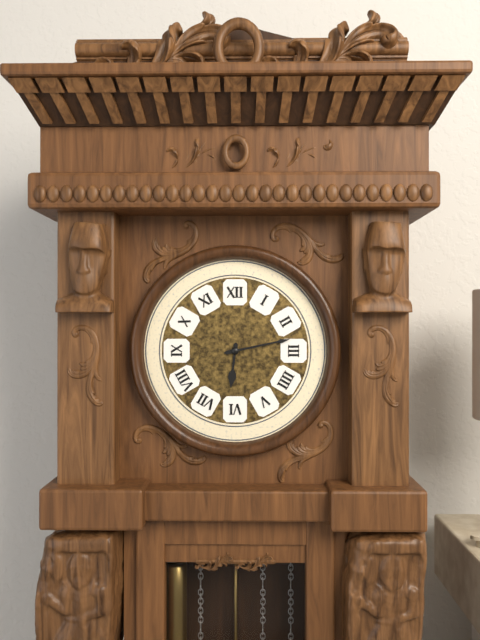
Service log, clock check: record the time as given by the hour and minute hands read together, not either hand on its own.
6:13
